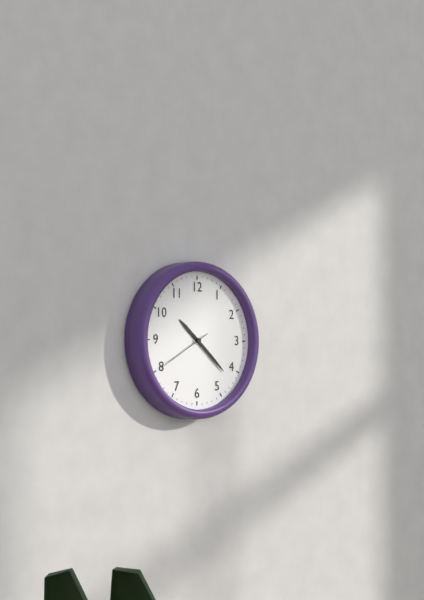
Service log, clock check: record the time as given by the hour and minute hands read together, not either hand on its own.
10:22
